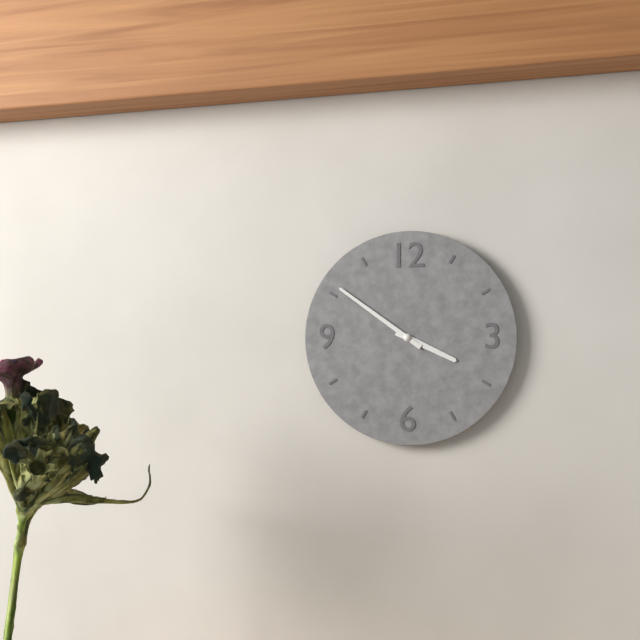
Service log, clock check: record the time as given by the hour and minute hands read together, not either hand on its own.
3:51
